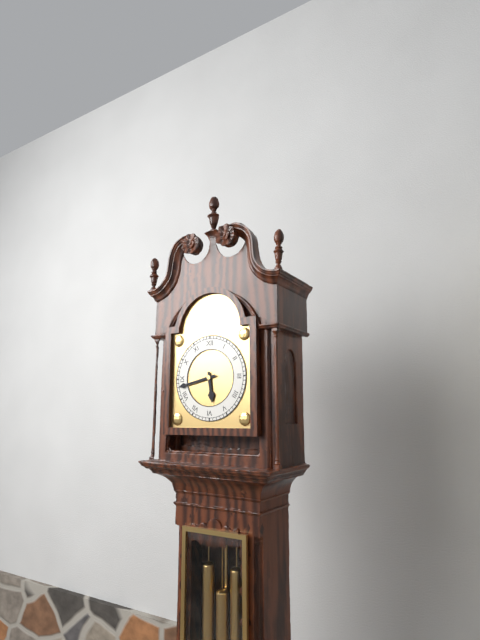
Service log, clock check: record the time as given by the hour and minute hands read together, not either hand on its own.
5:43
